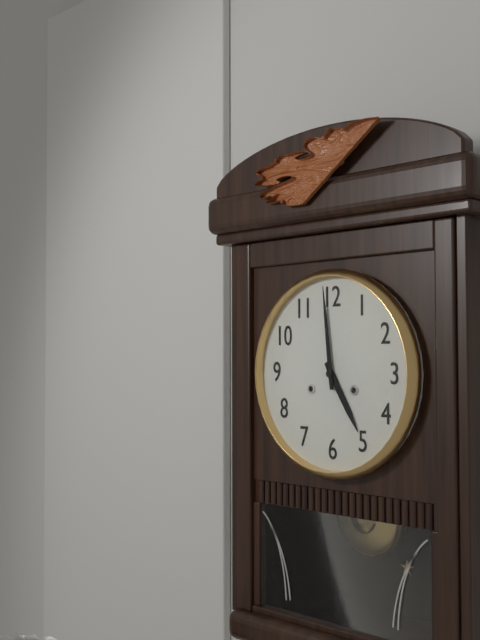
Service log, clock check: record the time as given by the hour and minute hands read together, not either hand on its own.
4:59
